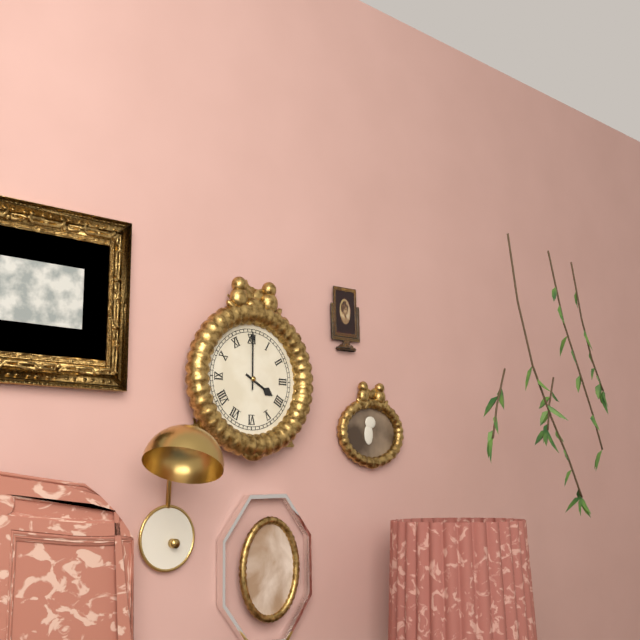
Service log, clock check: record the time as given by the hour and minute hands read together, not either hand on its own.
4:00
